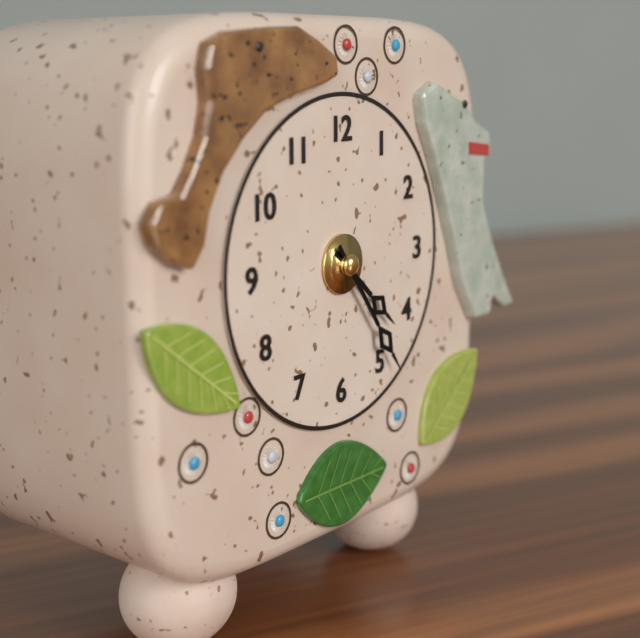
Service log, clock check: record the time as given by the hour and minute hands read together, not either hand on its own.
4:24
